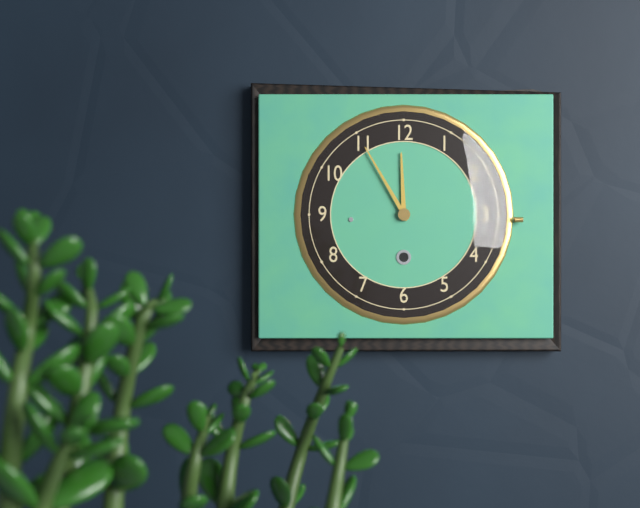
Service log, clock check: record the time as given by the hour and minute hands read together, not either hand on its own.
11:55
